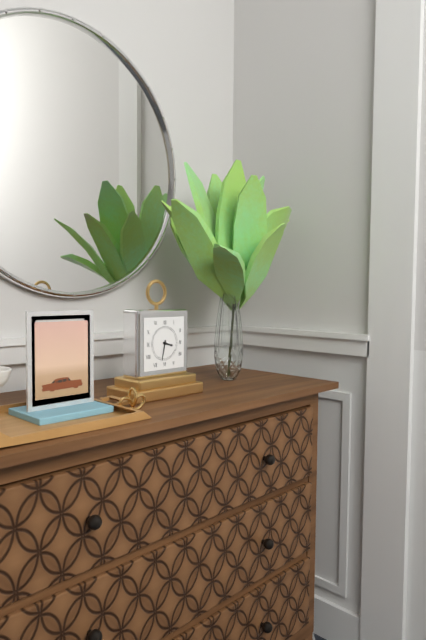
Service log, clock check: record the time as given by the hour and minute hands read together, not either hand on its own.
3:32
